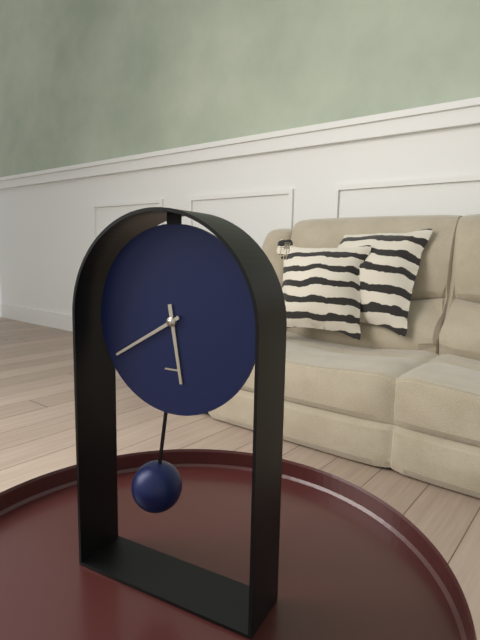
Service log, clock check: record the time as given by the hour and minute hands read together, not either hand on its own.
5:40
